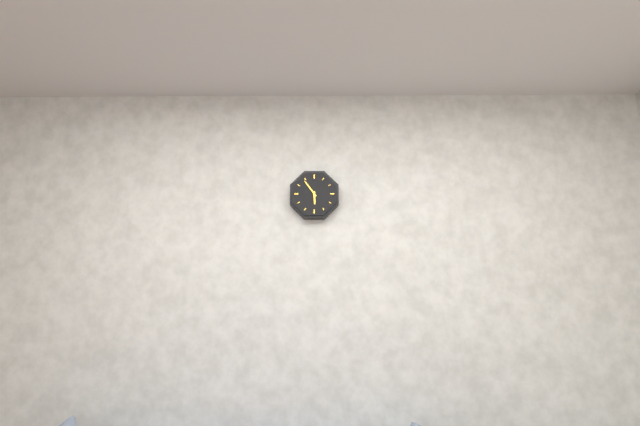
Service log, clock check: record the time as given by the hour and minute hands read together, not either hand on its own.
5:54
